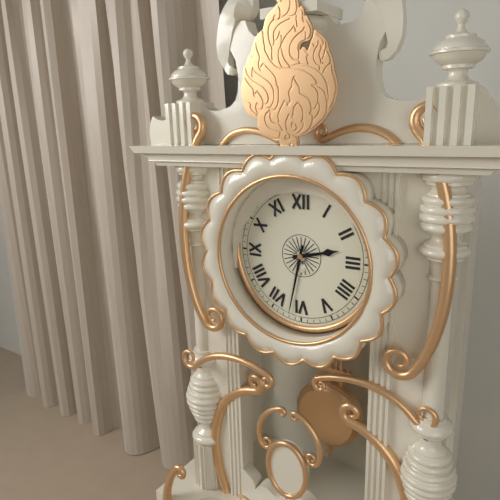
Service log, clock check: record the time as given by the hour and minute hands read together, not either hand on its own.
2:32
